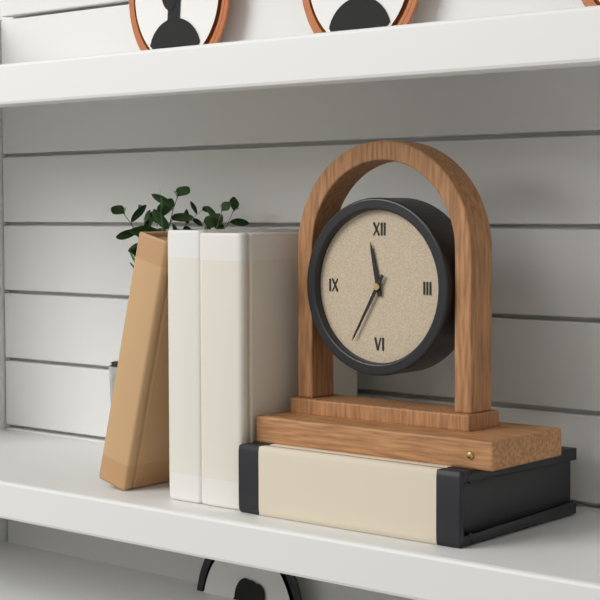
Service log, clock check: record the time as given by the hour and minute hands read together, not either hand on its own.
11:35
